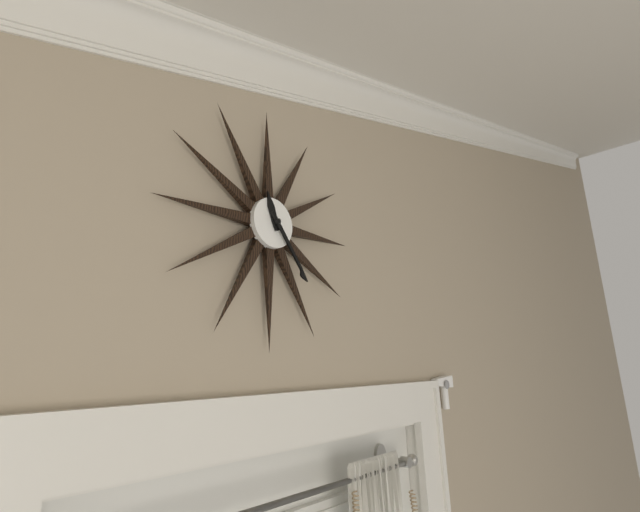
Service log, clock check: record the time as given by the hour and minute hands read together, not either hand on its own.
11:24
